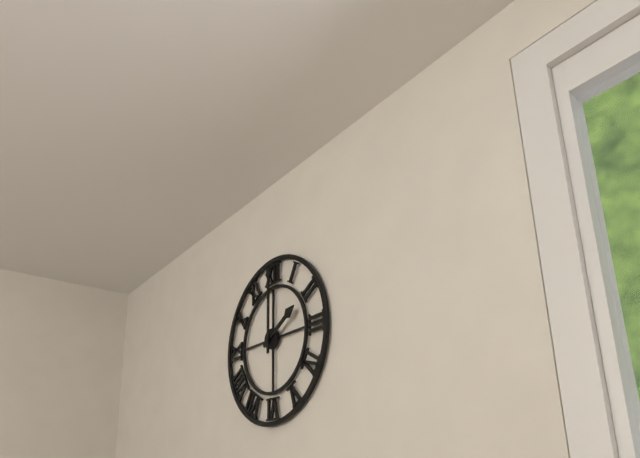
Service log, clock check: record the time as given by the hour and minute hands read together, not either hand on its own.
2:00
